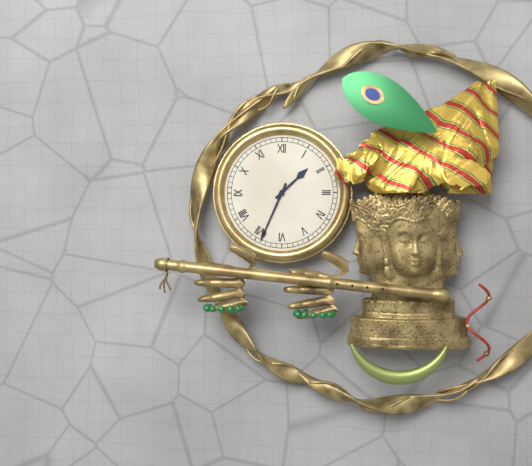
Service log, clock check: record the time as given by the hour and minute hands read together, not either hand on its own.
1:34
